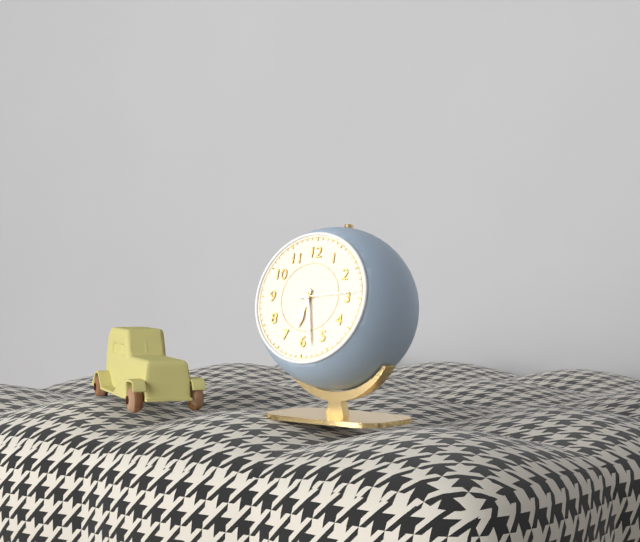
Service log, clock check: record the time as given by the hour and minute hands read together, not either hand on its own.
6:28
